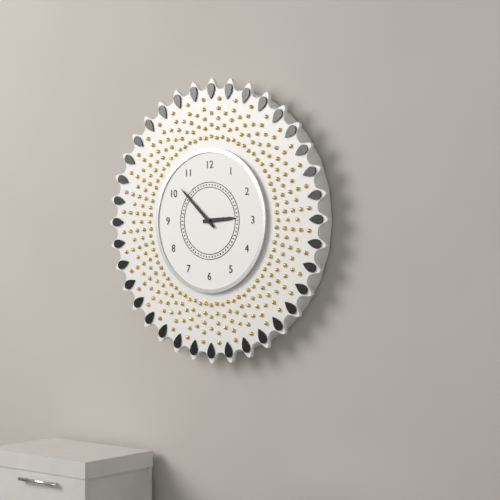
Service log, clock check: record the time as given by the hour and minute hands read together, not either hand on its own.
2:52
